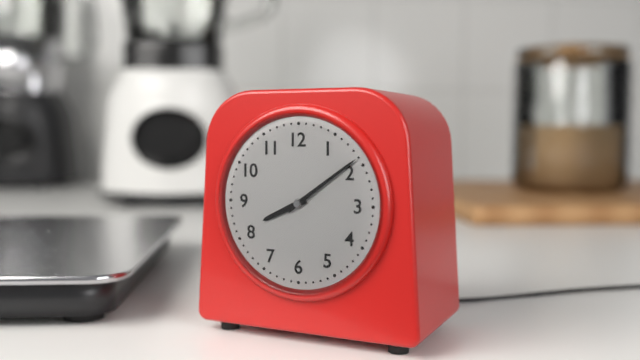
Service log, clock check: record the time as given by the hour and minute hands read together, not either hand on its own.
8:09
